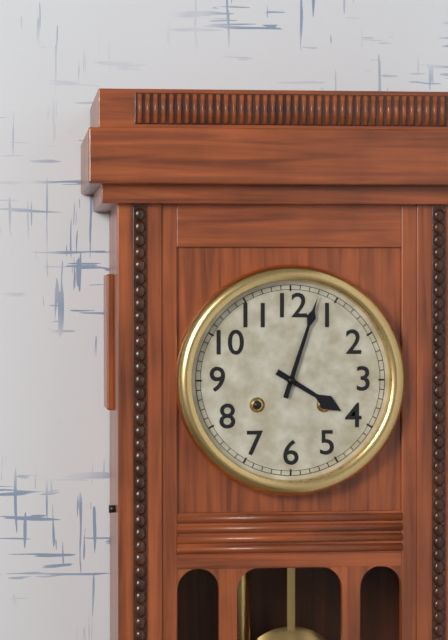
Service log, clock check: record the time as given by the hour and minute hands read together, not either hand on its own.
4:03
